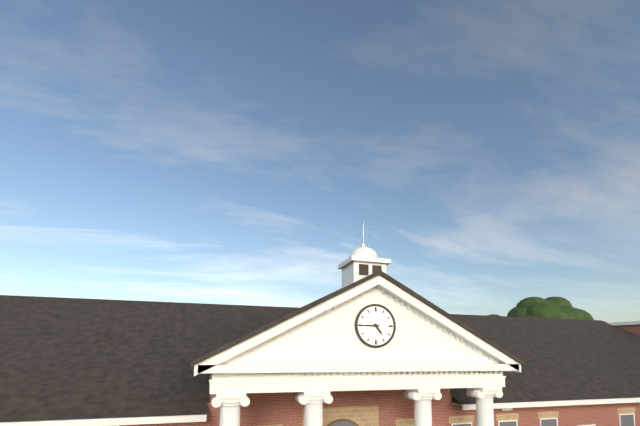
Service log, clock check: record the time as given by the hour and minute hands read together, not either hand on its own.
4:45
